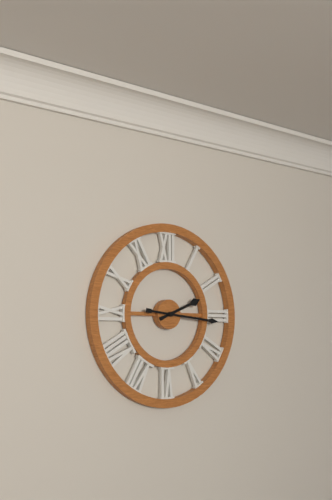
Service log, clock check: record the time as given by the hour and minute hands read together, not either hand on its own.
2:16
